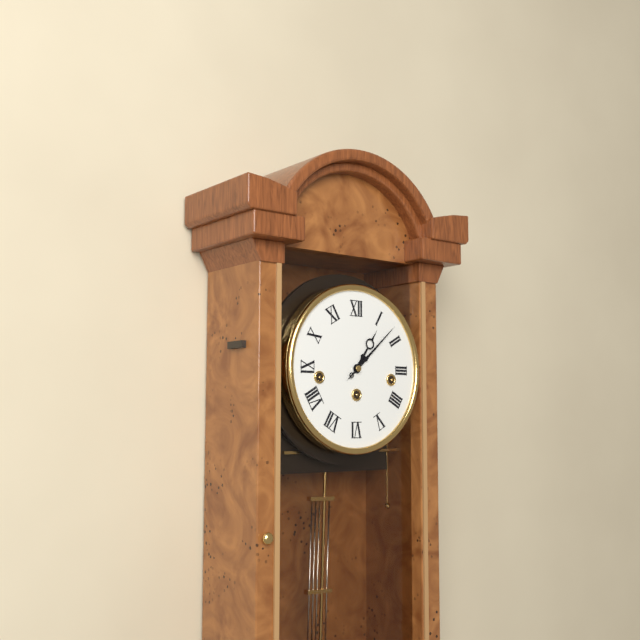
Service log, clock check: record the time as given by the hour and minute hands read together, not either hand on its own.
1:08
